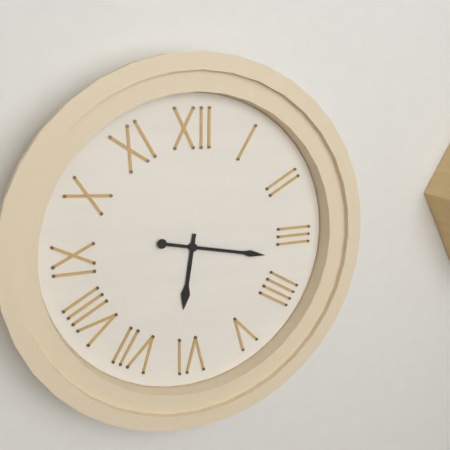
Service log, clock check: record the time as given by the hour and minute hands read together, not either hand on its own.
6:17
